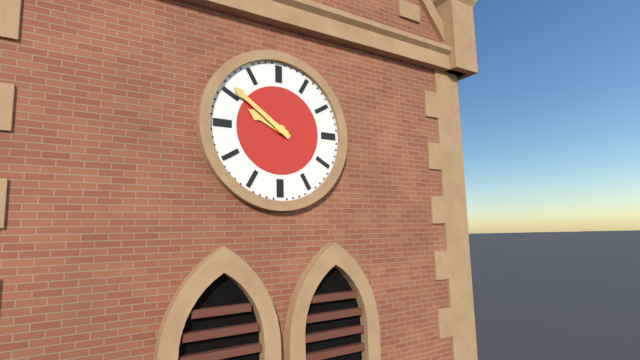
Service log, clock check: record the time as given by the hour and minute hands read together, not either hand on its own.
9:51
